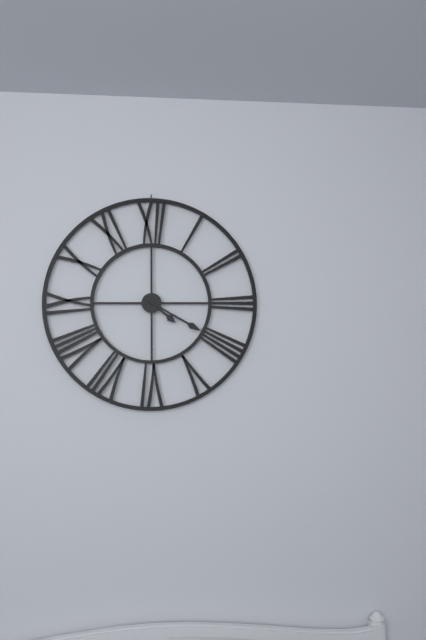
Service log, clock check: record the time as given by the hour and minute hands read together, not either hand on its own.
4:20
